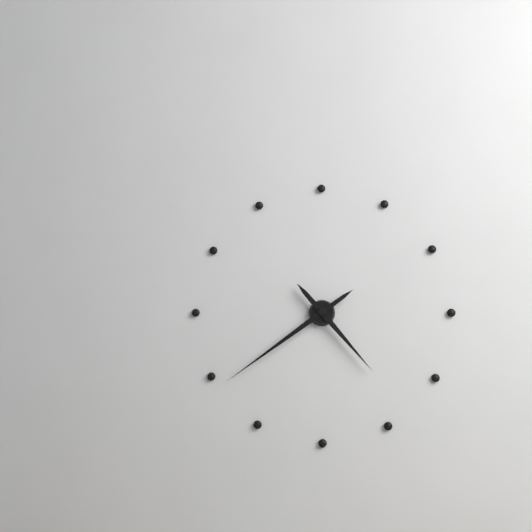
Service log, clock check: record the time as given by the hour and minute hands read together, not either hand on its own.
4:39
